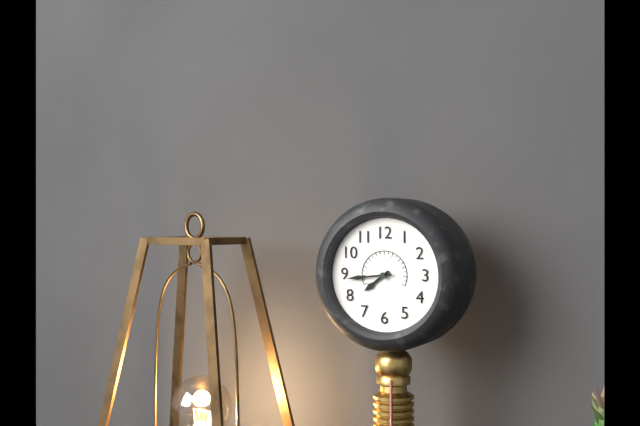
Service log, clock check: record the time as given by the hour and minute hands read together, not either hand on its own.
7:44
